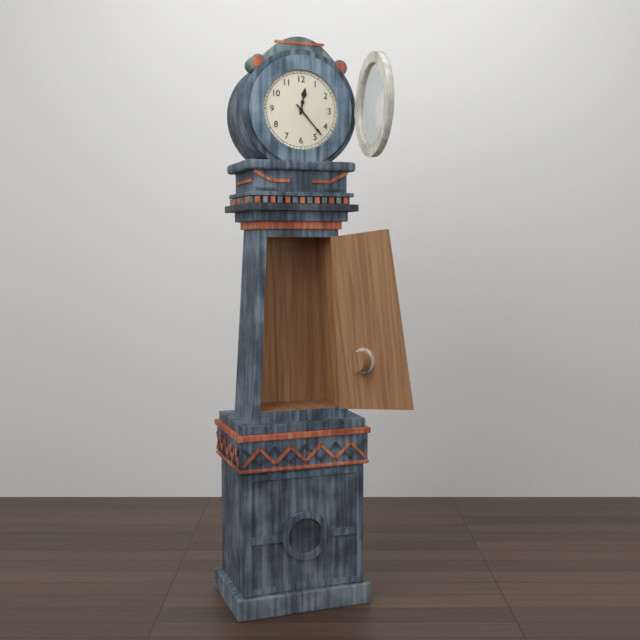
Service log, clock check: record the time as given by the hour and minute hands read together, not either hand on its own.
12:23
